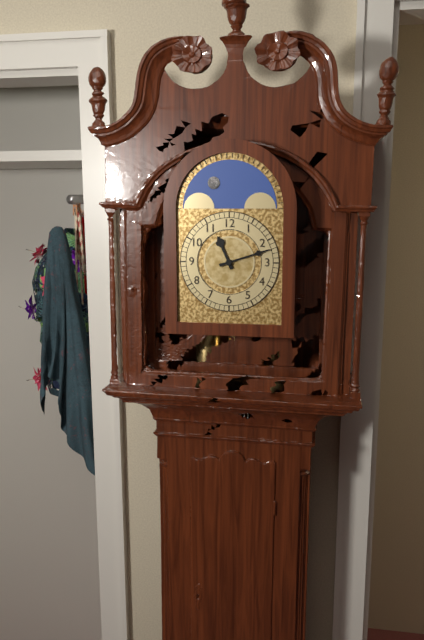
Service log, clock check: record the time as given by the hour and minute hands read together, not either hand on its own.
11:12
